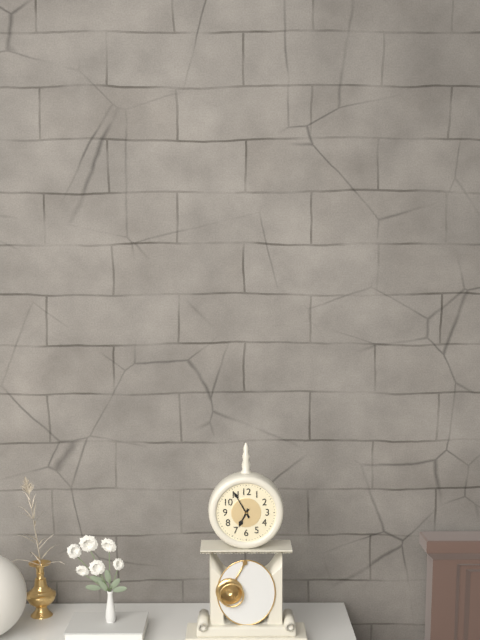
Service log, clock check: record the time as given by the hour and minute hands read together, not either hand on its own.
6:55
